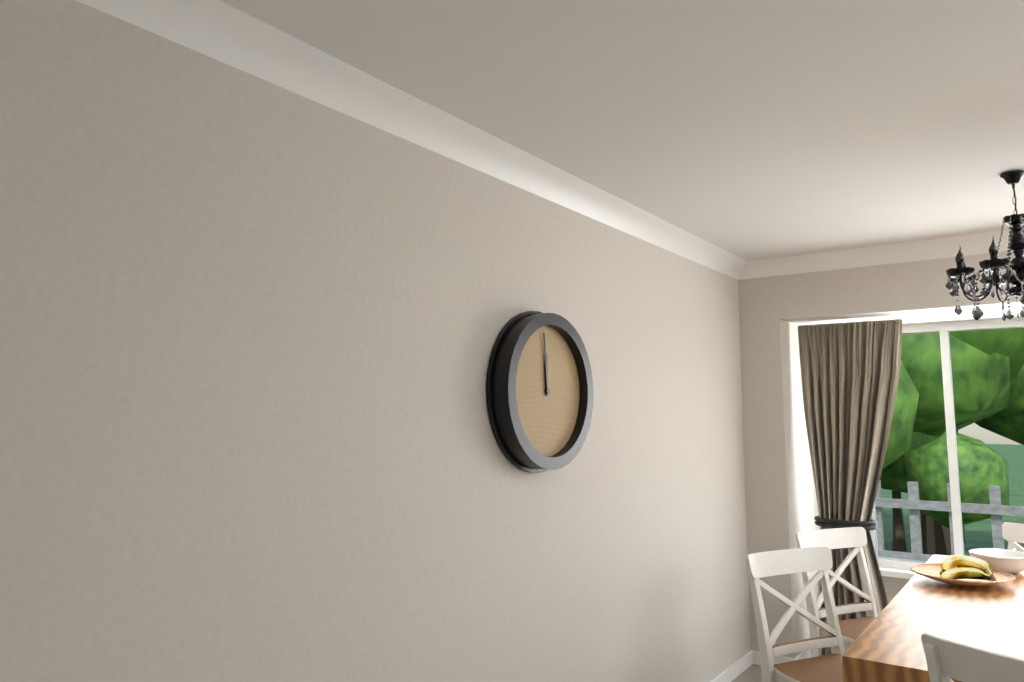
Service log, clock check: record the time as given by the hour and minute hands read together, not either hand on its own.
11:59
